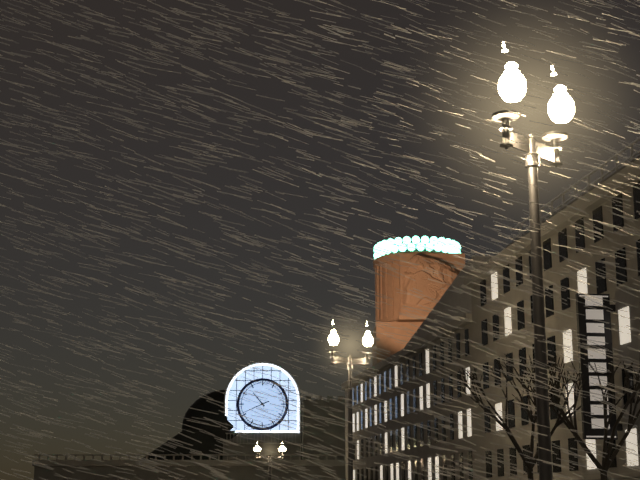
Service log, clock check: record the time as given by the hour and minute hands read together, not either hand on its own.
10:41
